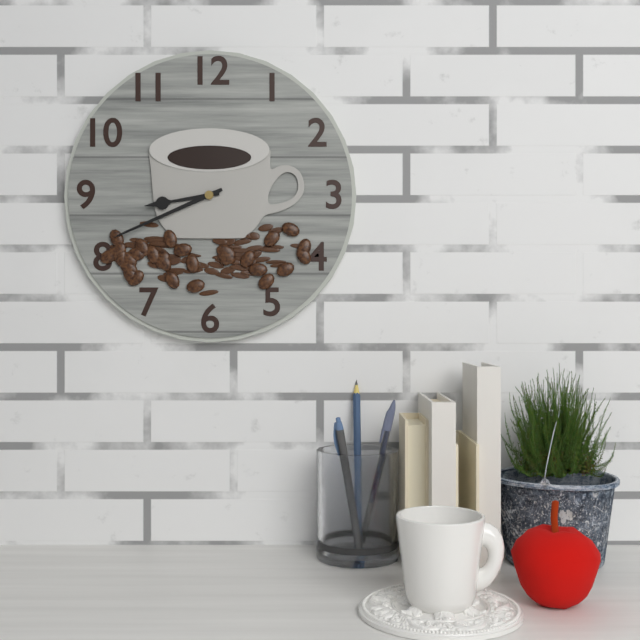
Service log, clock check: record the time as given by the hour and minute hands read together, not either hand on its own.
8:41
